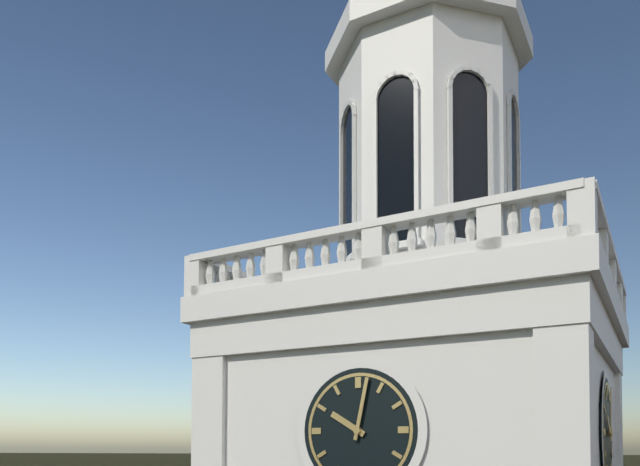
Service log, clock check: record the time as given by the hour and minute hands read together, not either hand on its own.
10:02
